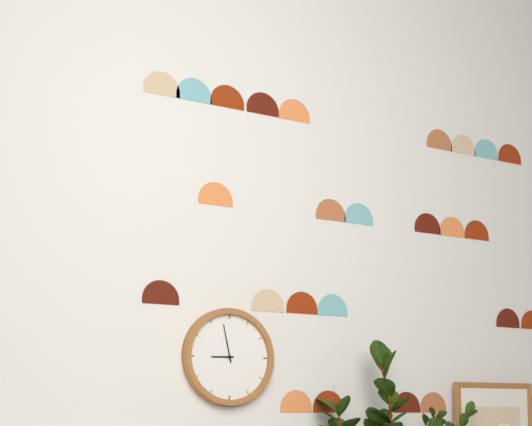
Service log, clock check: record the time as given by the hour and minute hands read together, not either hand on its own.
8:58
